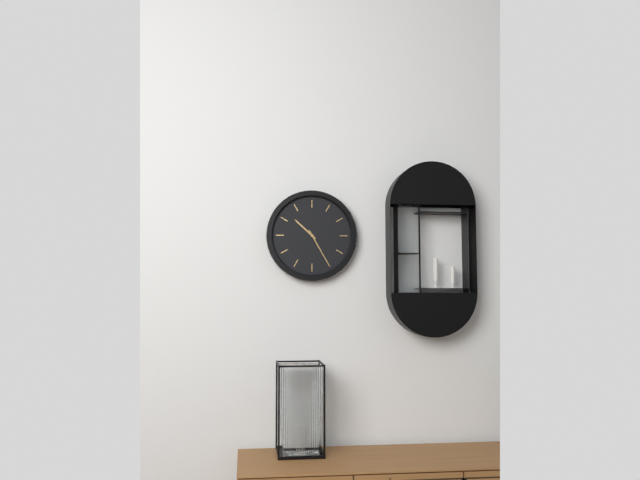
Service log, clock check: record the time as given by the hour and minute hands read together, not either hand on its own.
10:25
